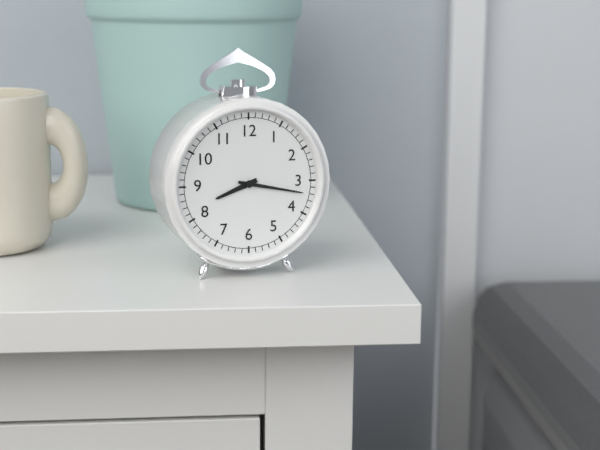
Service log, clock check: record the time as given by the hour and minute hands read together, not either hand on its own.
8:17
